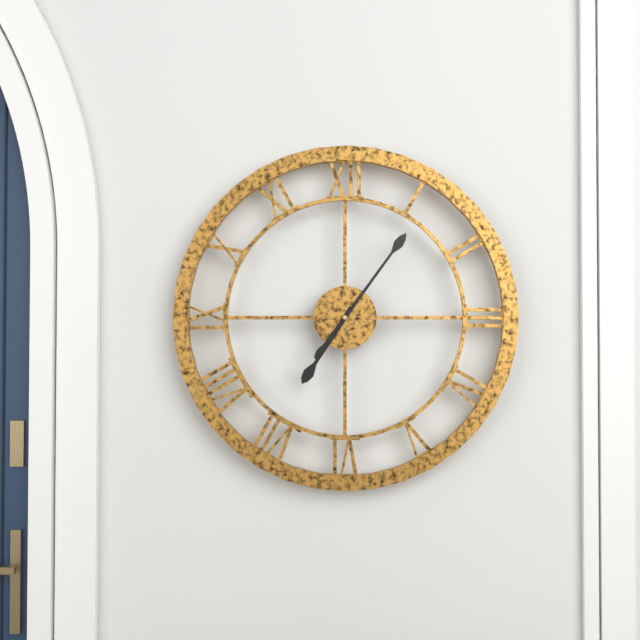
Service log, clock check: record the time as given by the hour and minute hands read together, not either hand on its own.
7:06
